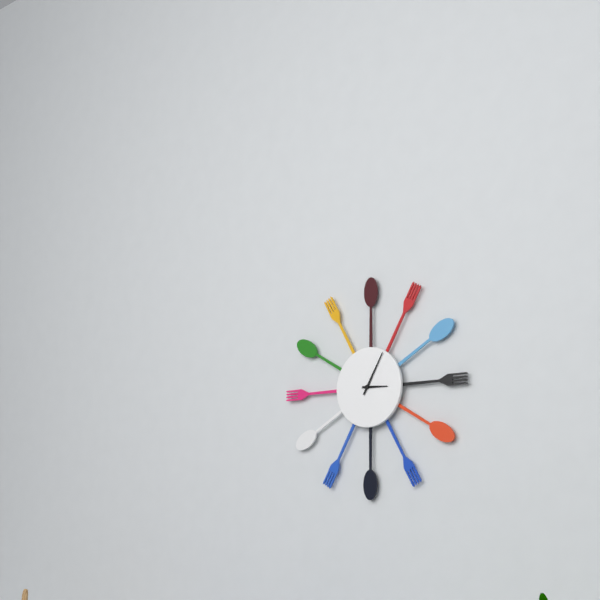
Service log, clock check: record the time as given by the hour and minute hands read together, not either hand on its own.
3:05
